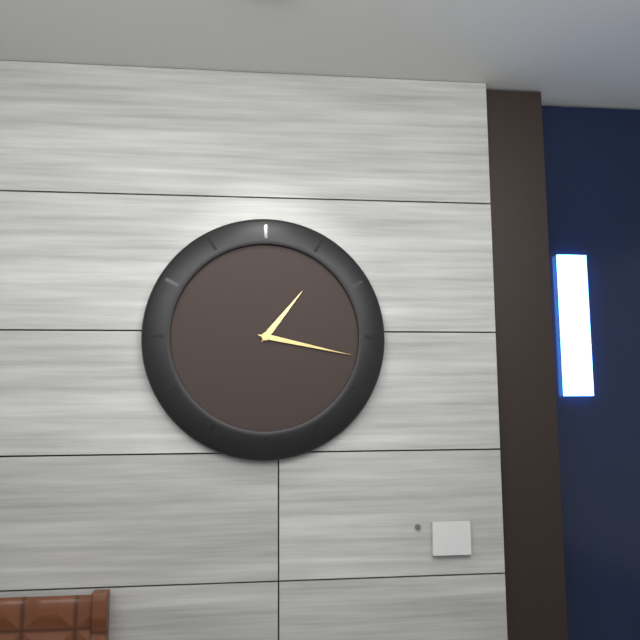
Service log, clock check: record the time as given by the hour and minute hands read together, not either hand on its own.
1:17
